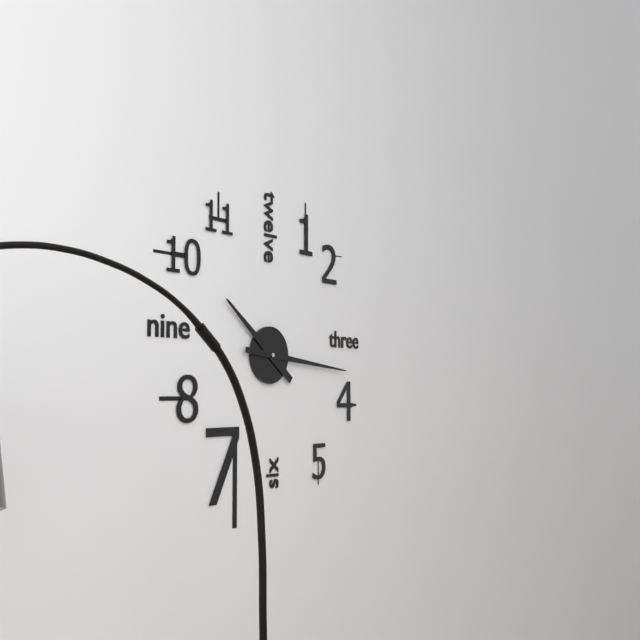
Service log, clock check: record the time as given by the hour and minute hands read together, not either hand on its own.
10:16
